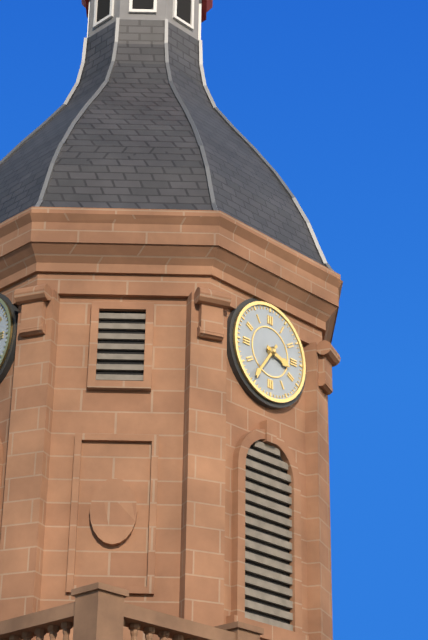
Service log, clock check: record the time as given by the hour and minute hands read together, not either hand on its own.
3:36
